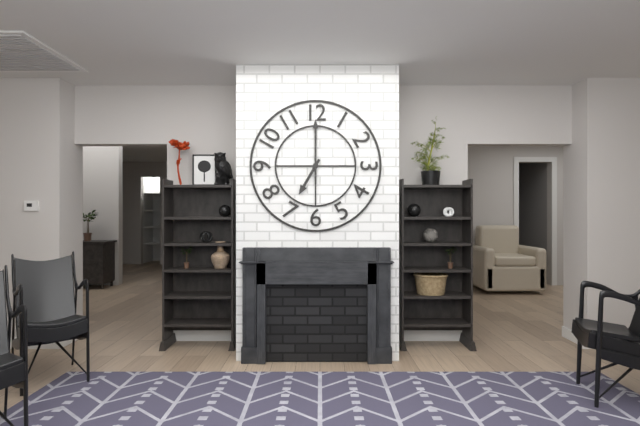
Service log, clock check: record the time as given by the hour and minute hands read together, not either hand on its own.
7:00
